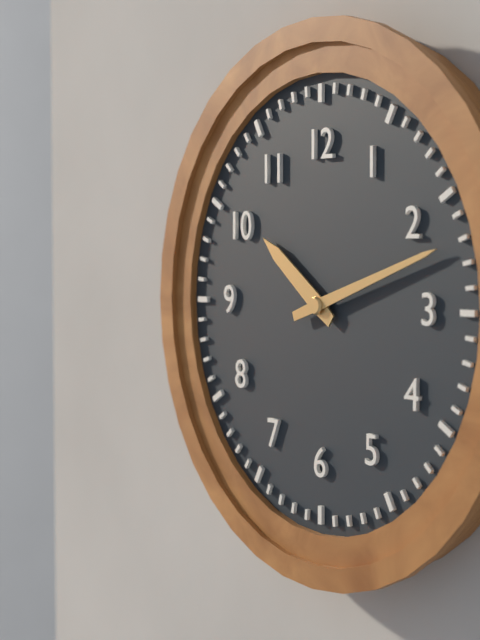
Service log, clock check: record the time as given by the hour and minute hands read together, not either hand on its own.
10:12
